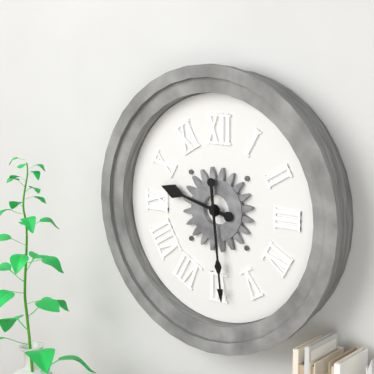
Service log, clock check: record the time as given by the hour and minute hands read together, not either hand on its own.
9:29
